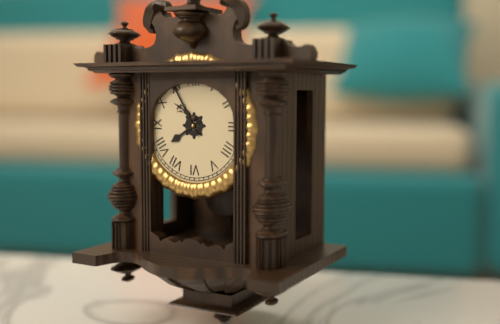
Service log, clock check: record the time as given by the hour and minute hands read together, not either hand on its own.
7:55
